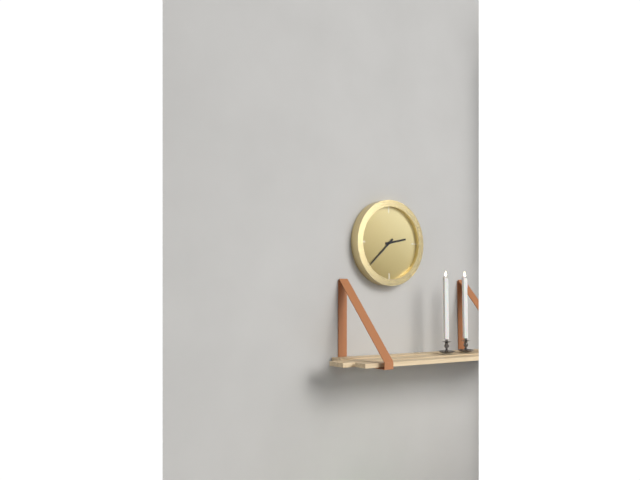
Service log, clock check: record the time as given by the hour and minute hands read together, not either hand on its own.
2:38
